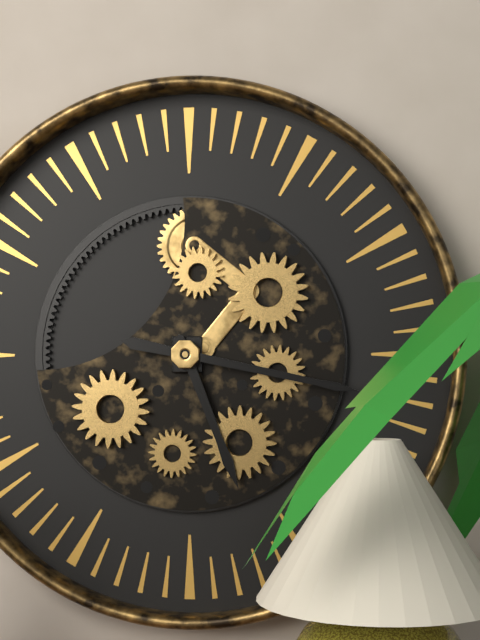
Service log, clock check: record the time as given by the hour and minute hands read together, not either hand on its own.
5:17
